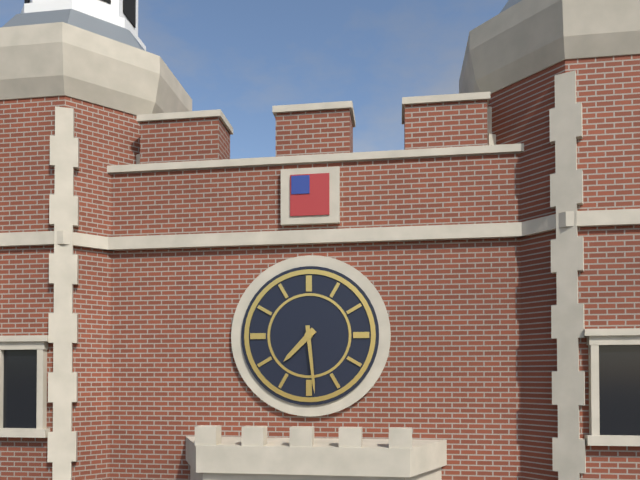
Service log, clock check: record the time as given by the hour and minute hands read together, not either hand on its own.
7:29
